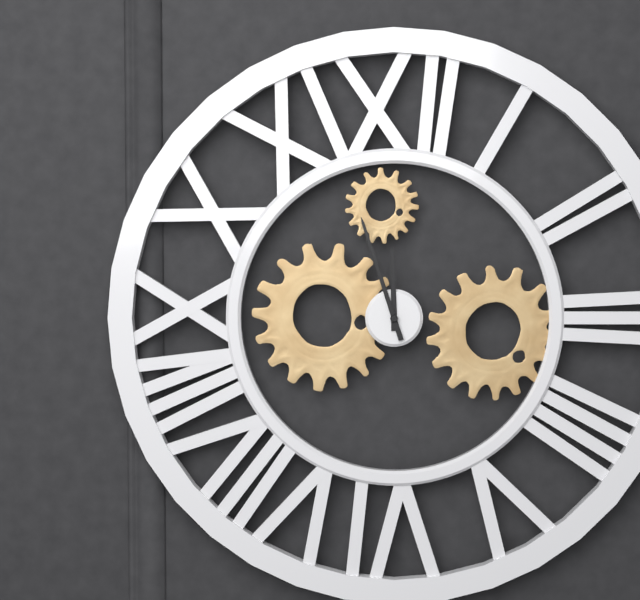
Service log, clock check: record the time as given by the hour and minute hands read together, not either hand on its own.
11:57
